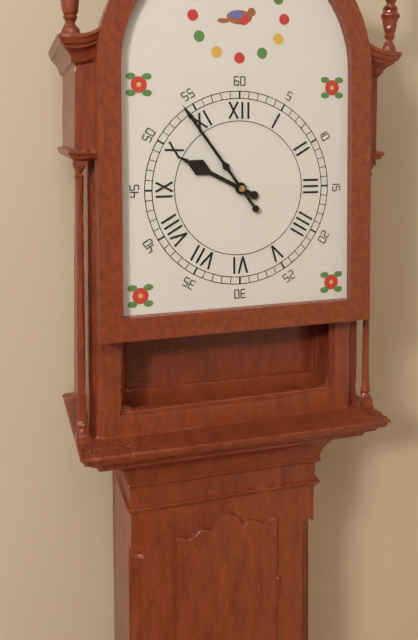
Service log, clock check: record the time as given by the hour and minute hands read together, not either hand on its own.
9:54
